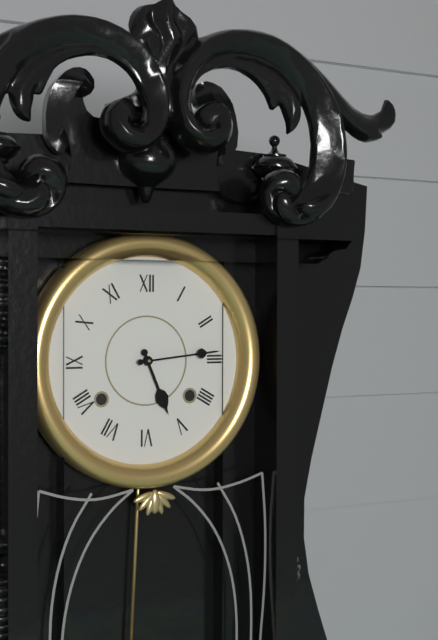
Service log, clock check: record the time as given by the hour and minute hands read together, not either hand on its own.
5:14
